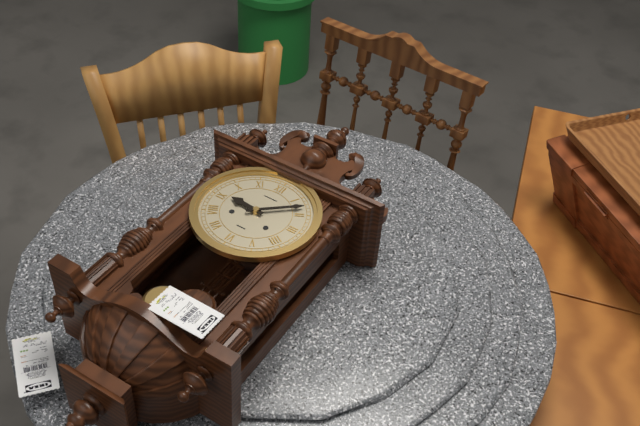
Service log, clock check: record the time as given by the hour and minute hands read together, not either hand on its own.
9:08
